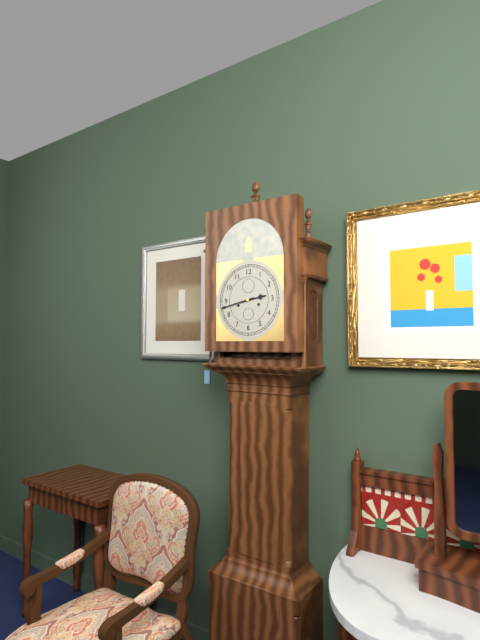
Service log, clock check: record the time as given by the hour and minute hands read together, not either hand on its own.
2:43
